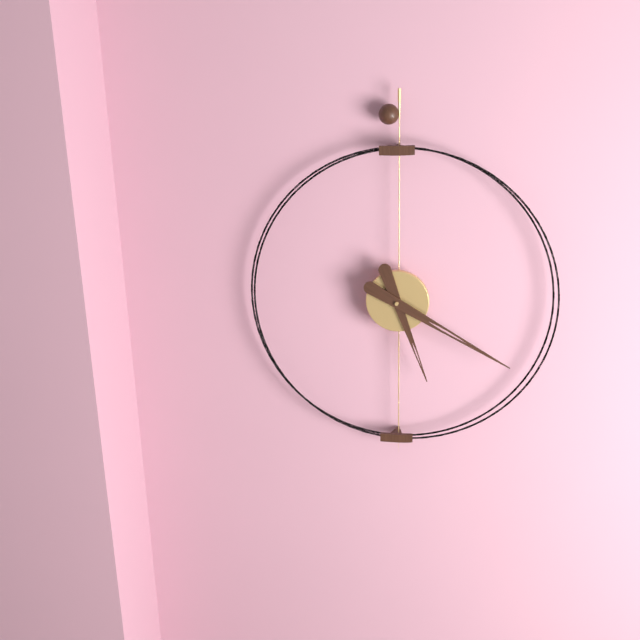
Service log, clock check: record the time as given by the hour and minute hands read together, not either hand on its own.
5:20
